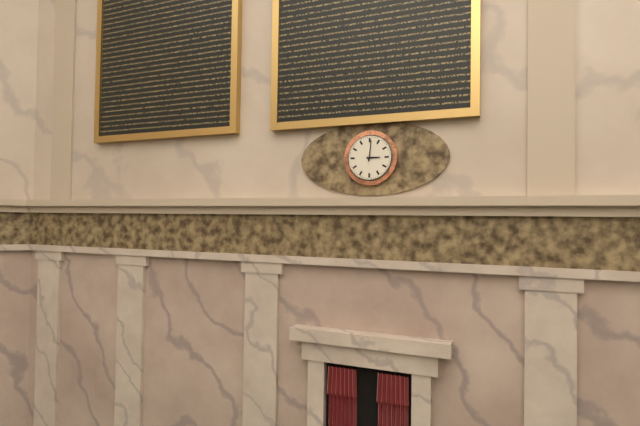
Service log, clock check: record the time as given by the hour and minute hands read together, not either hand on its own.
3:01
